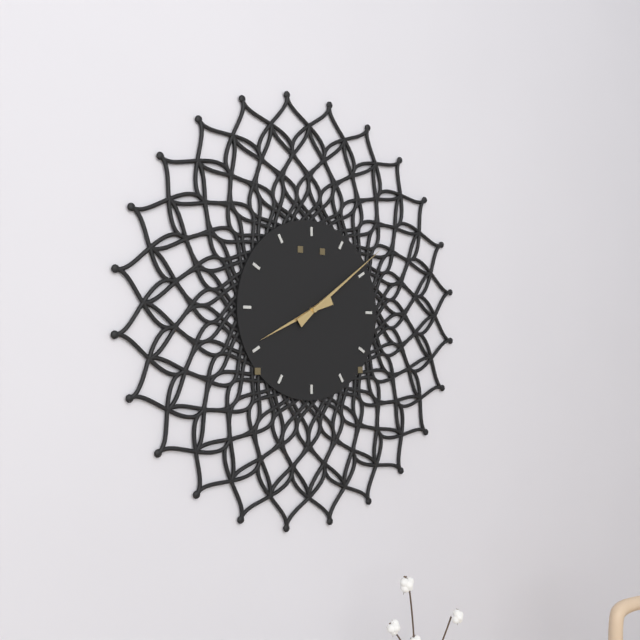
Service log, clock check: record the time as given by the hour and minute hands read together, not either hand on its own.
8:09
